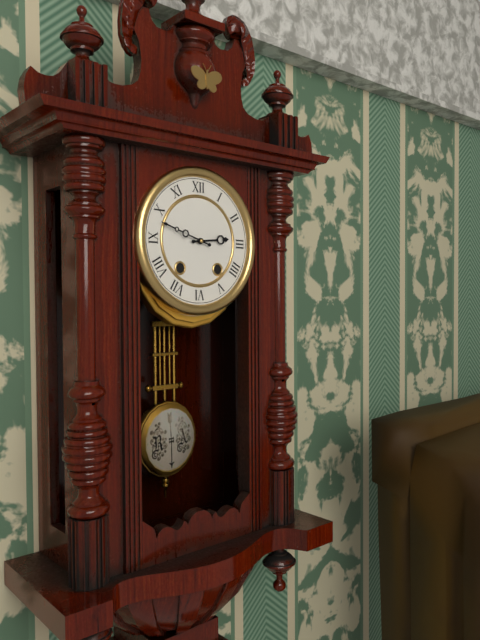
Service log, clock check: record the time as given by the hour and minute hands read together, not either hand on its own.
2:48
